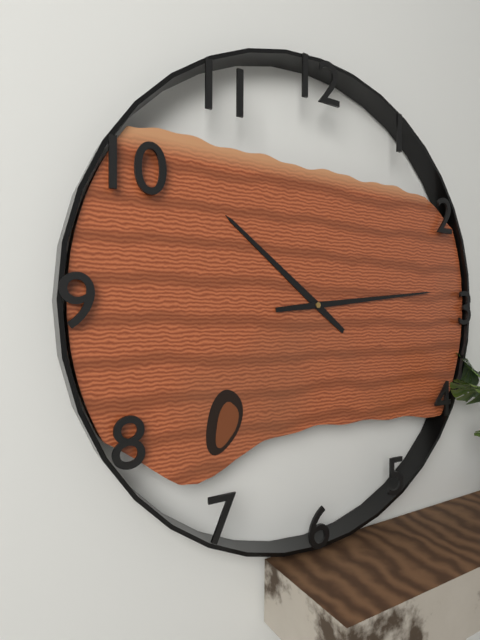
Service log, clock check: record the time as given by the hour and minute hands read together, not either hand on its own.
10:14
